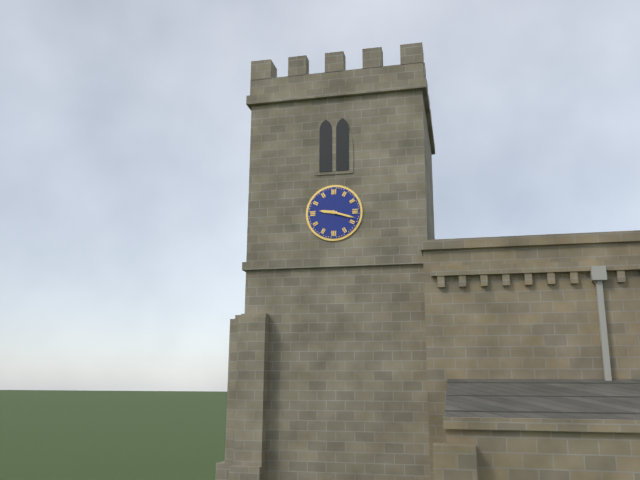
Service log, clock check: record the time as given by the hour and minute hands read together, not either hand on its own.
9:18
